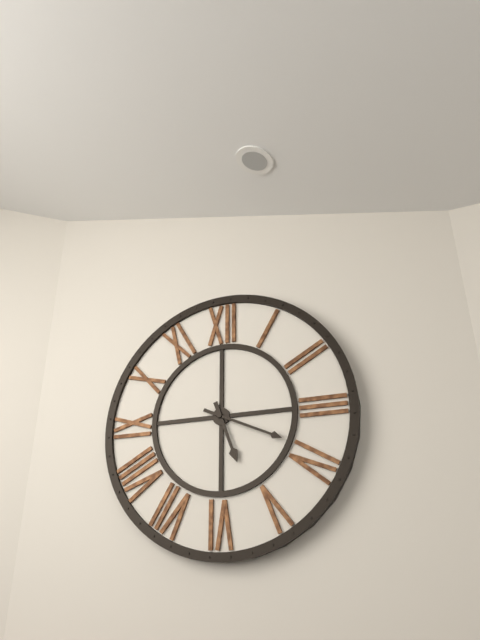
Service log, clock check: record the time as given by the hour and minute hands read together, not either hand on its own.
5:19
